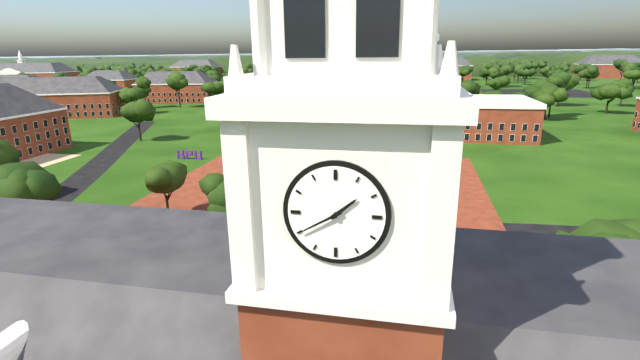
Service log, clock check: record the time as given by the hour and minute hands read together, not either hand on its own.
1:40
